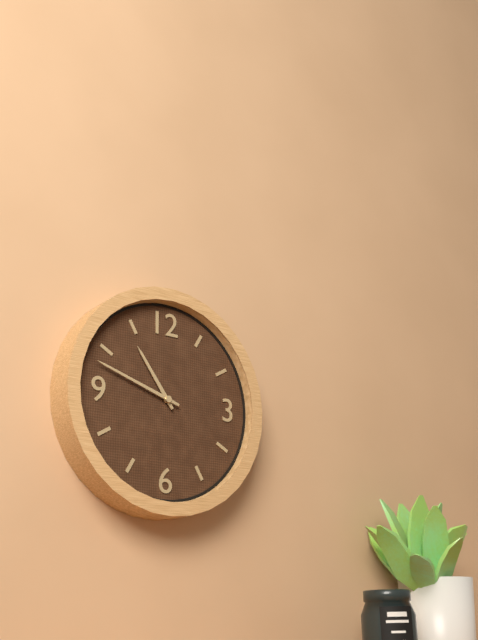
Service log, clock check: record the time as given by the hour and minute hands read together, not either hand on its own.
10:48
